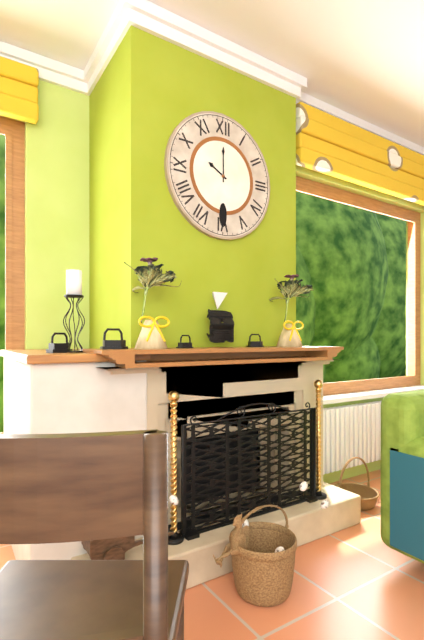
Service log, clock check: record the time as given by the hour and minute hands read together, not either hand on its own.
10:00
